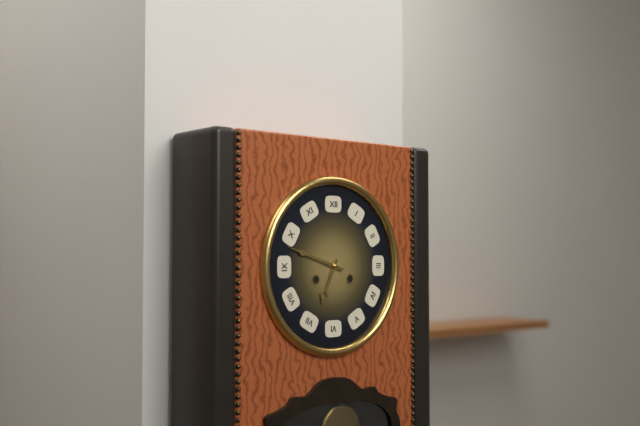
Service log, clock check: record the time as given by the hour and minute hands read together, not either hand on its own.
6:48
